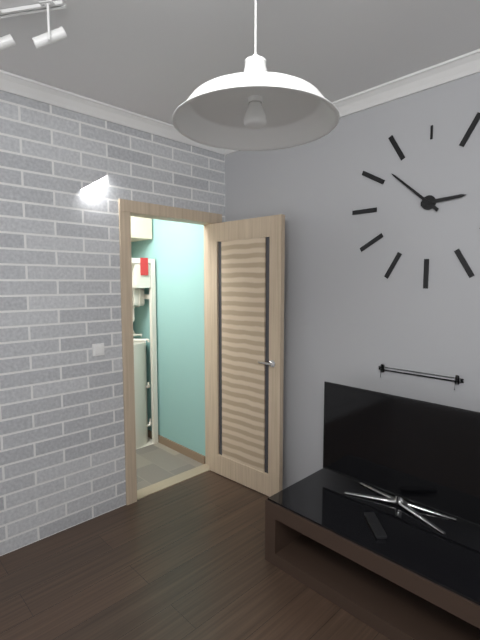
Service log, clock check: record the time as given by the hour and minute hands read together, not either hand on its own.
2:52
